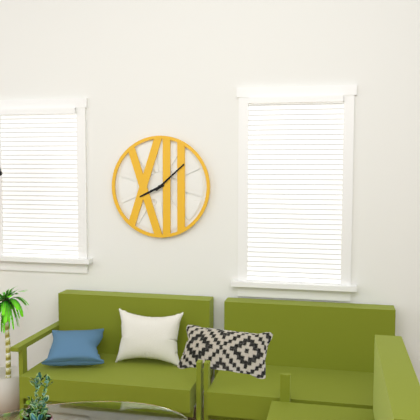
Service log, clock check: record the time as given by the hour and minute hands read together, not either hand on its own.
8:08
